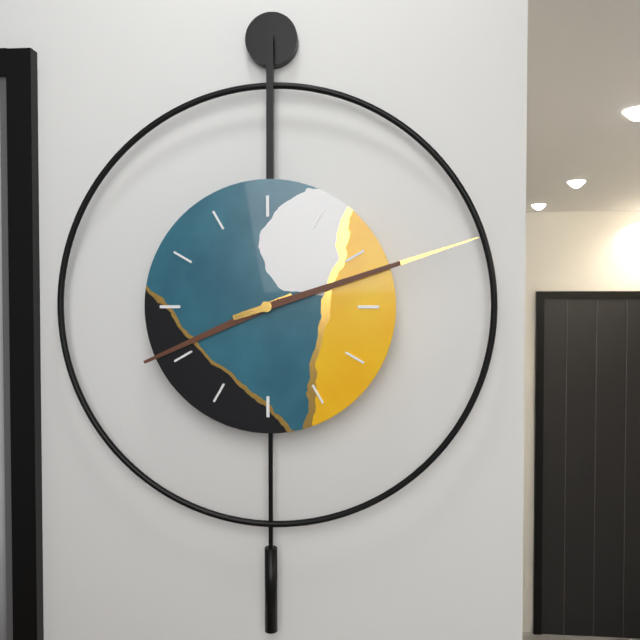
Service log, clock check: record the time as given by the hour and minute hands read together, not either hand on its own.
8:12
